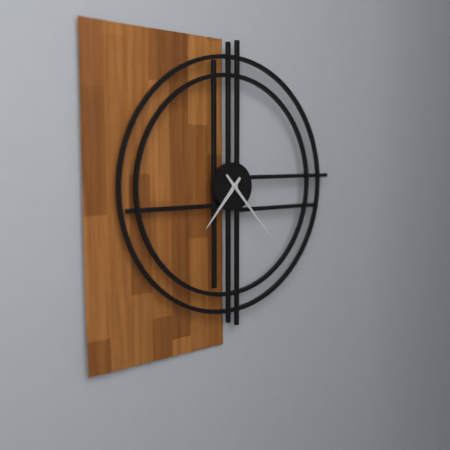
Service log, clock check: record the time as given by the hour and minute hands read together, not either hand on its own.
7:23
